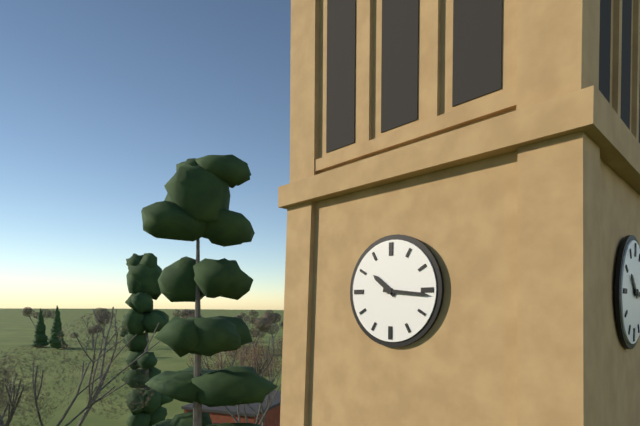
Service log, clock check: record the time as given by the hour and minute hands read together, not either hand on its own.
10:16
